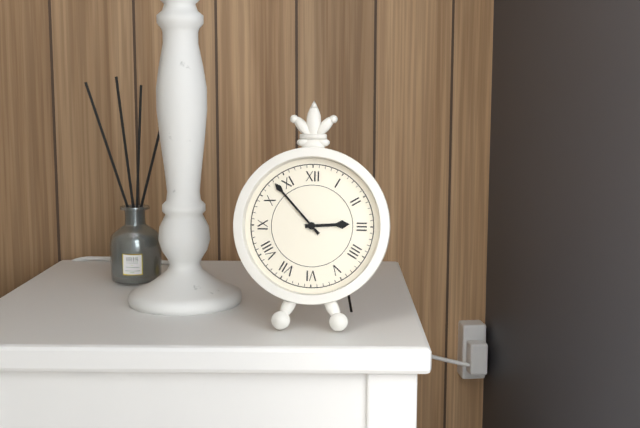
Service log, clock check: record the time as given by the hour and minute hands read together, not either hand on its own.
2:53
